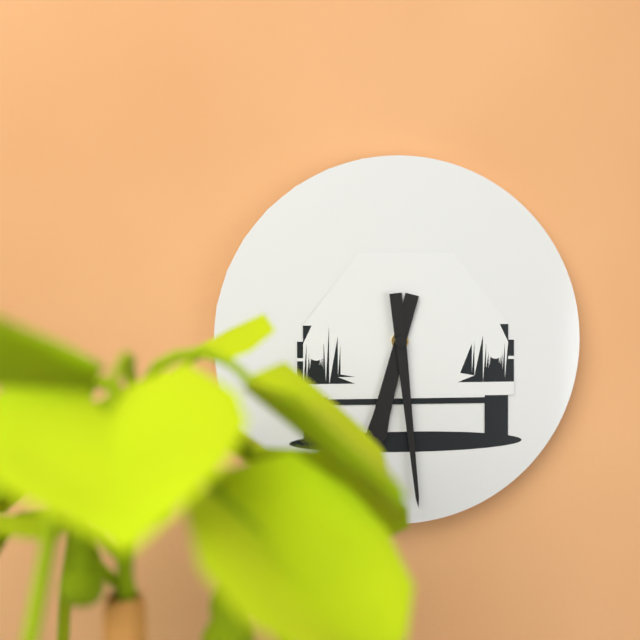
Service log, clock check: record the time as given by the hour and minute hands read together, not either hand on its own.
6:29
